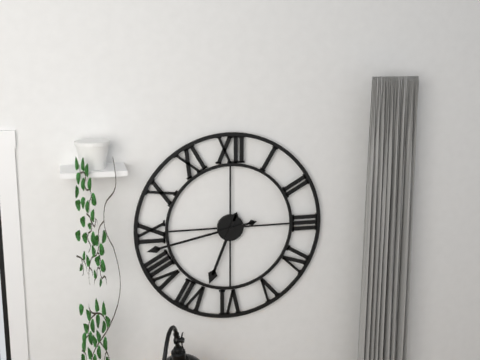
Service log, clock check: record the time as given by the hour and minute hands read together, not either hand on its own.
6:43
